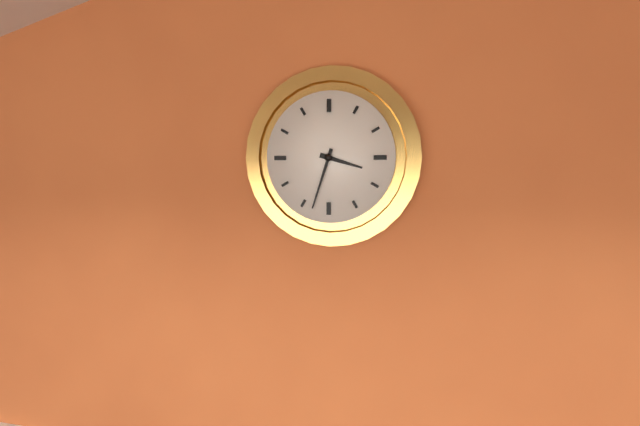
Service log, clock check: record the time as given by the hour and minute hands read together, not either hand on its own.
3:33
